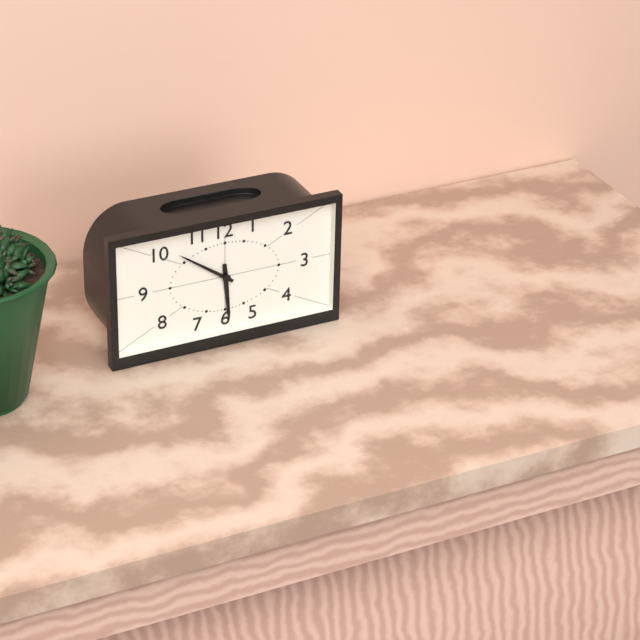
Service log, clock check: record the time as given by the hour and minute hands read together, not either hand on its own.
5:51
